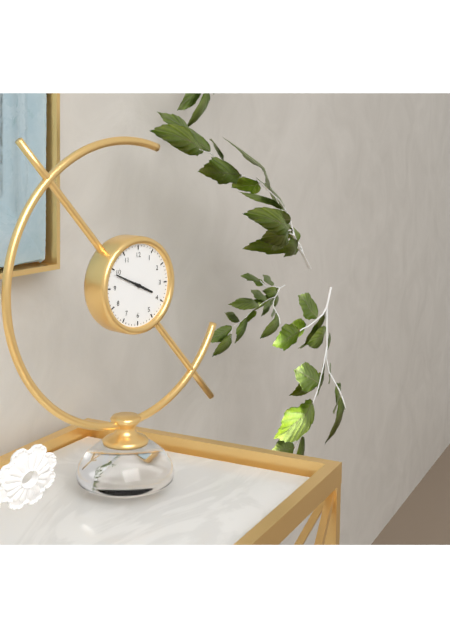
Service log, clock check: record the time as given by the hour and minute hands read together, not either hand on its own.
3:49
